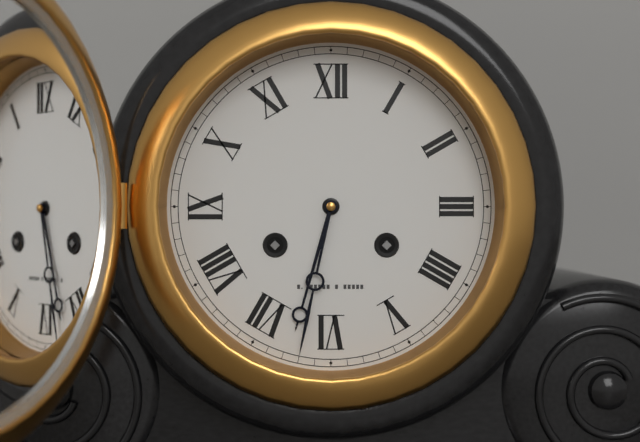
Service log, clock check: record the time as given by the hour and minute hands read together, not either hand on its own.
6:32
